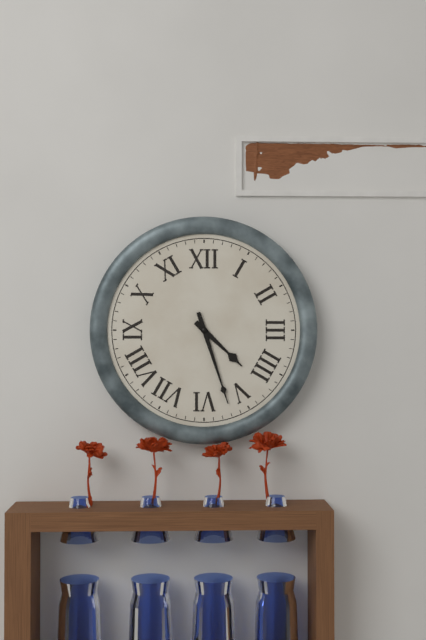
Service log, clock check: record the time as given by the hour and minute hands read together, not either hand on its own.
4:27
